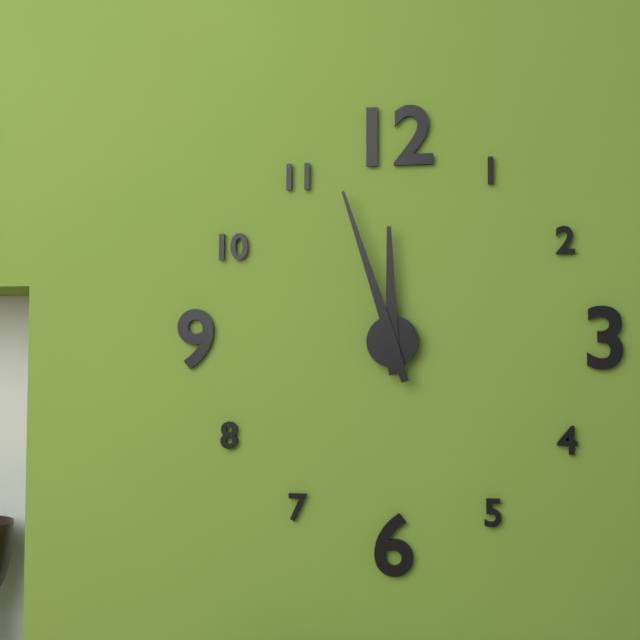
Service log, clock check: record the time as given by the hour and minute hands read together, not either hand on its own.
11:57
